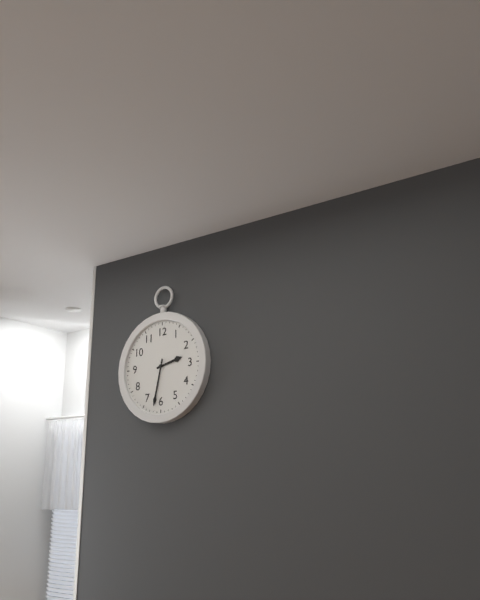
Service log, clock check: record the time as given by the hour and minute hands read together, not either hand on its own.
2:32
